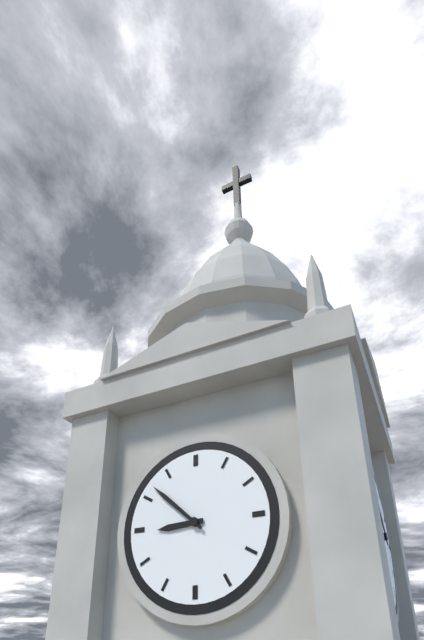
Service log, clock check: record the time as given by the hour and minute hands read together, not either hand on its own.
8:52
